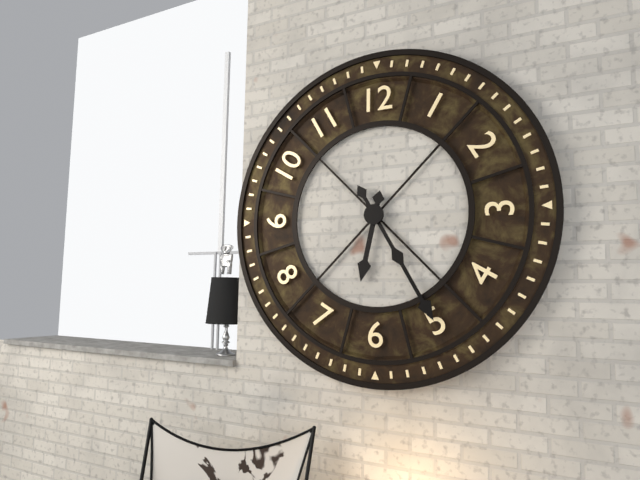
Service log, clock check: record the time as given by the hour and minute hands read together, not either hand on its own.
6:25
